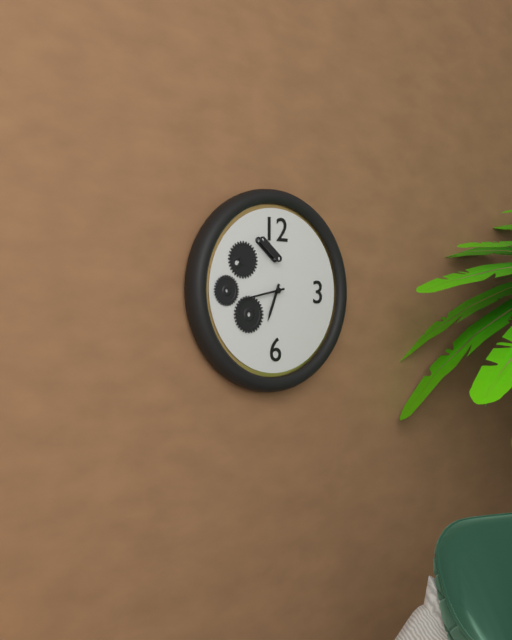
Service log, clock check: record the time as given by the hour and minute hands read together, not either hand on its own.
6:43
